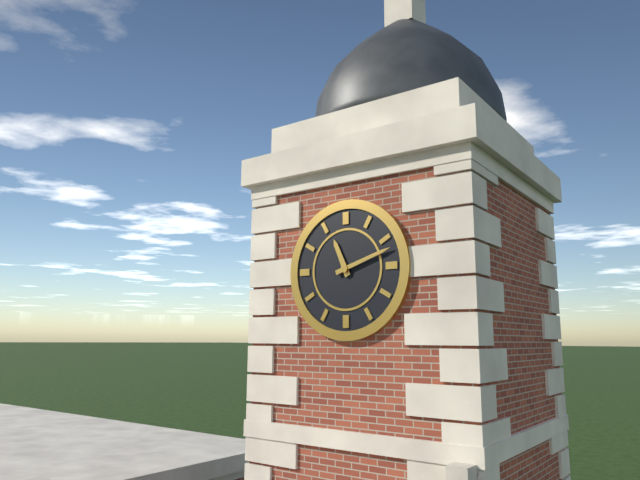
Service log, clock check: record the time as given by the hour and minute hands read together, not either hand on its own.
11:12
